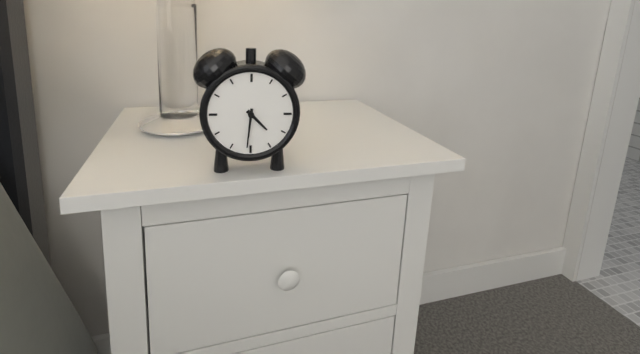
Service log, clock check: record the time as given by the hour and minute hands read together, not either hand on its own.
4:31
